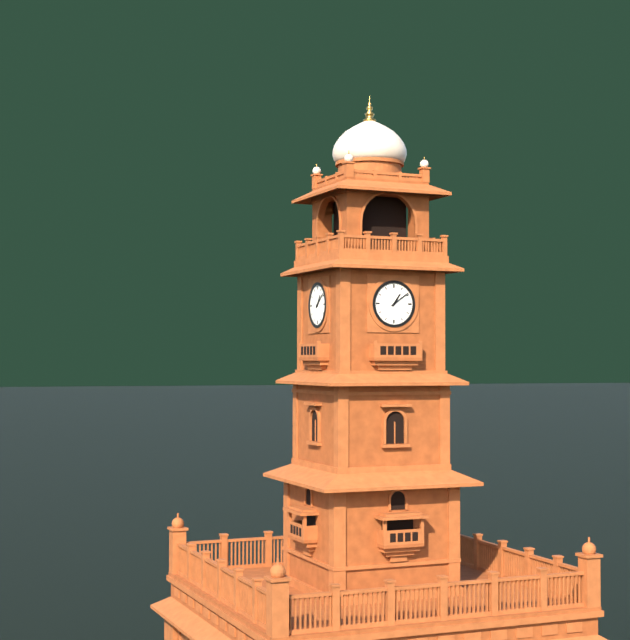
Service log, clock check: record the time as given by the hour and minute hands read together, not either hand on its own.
1:09
